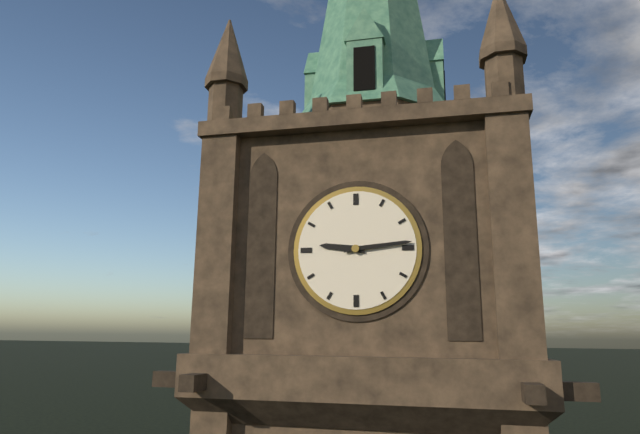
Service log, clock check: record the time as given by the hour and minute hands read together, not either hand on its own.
9:14
